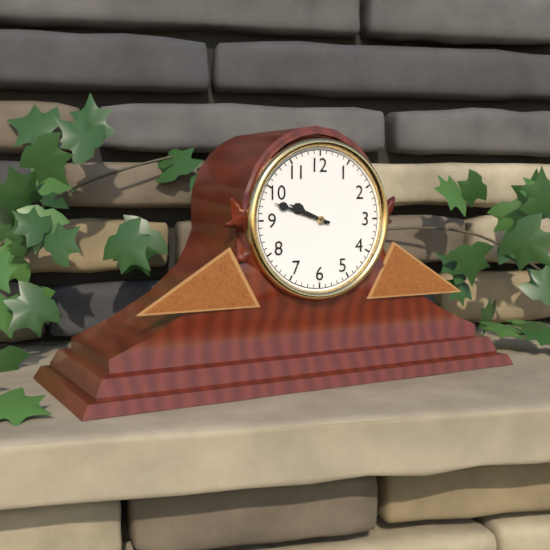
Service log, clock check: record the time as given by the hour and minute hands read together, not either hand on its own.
9:48
